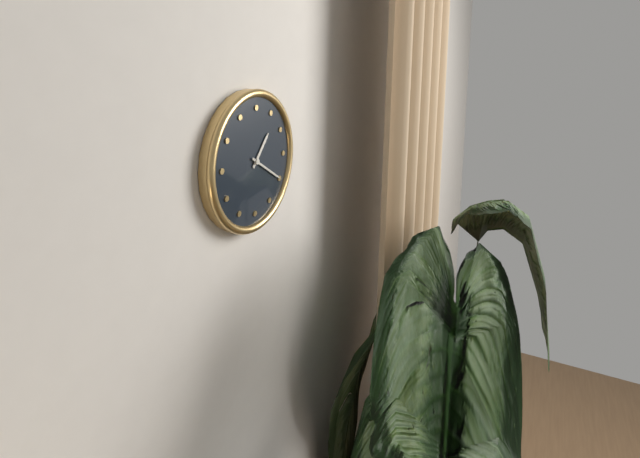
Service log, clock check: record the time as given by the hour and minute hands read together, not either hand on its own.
1:20
